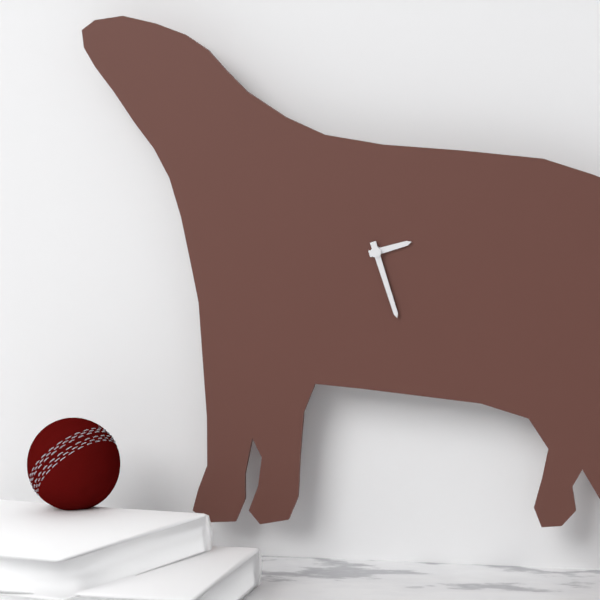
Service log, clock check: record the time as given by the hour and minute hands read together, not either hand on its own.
2:27
